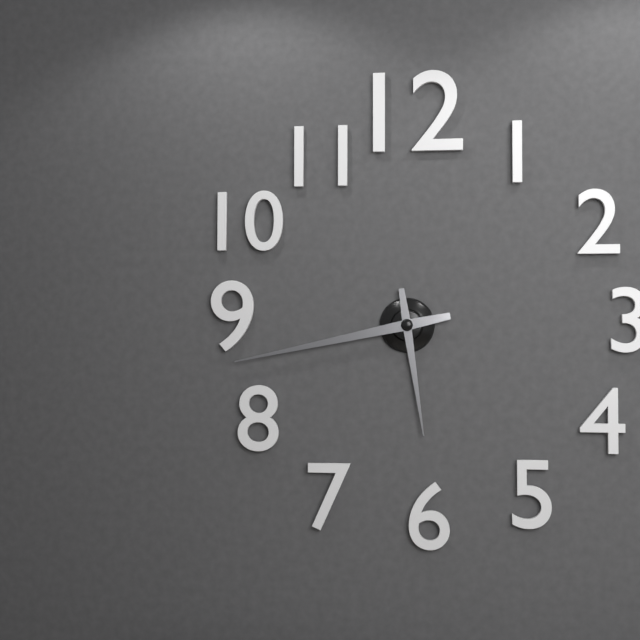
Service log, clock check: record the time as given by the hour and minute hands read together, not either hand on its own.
5:43
